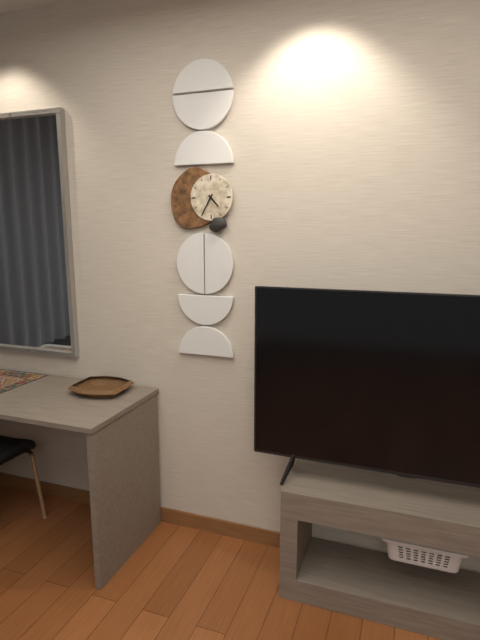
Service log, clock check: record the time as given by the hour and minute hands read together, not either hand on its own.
4:35
